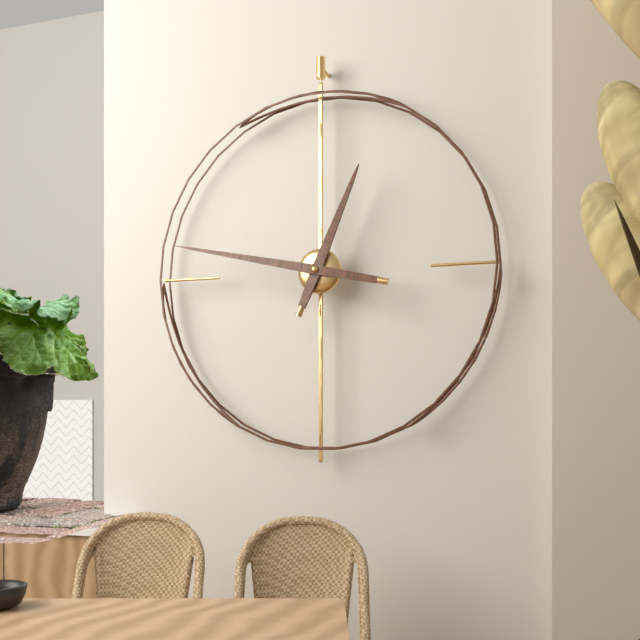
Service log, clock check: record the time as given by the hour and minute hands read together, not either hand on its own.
12:47
